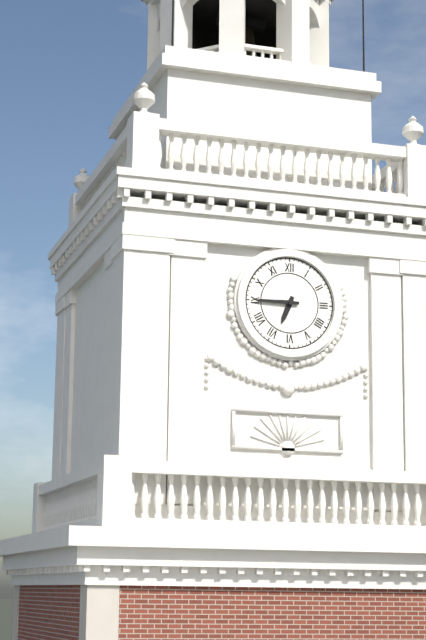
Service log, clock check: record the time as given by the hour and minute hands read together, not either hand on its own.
6:45
